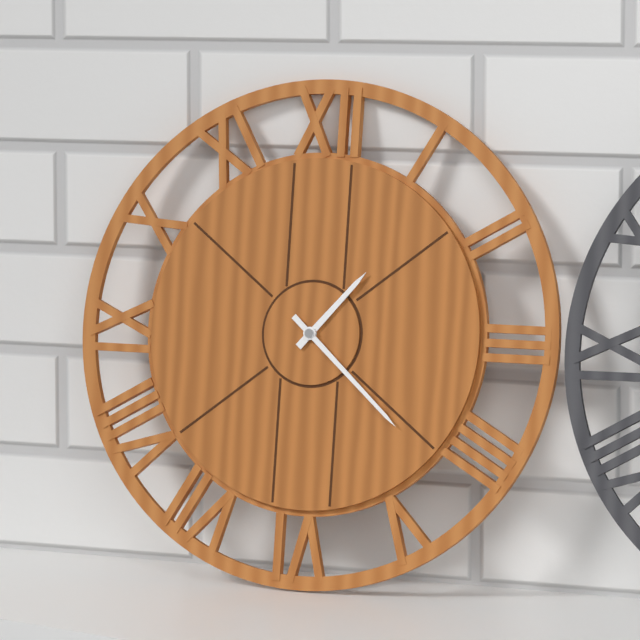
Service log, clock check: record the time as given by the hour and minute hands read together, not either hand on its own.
1:22
